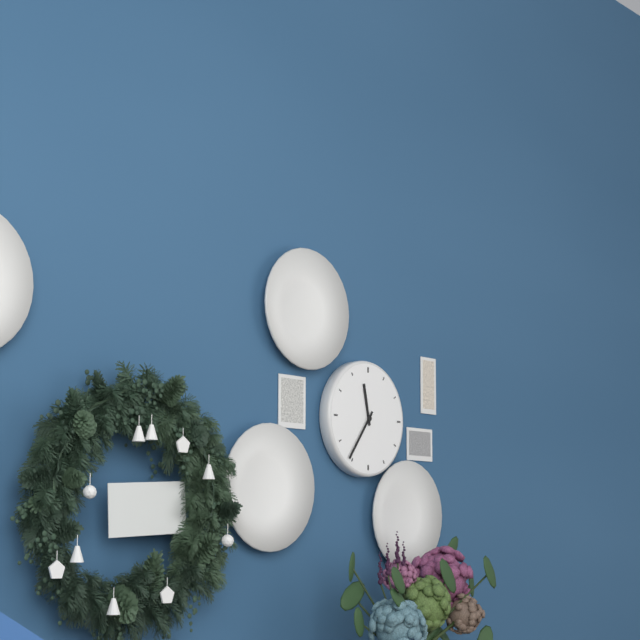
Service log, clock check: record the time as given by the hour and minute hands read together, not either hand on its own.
11:36
